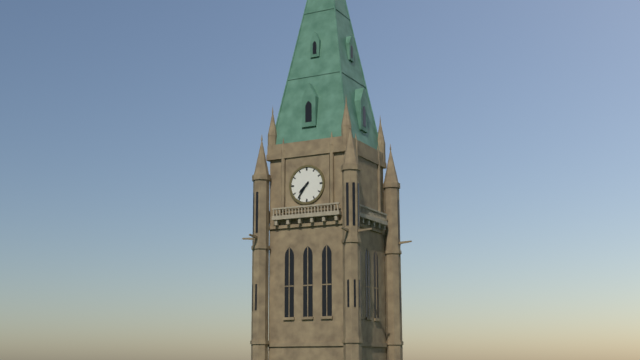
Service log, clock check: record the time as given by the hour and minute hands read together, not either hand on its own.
7:36
